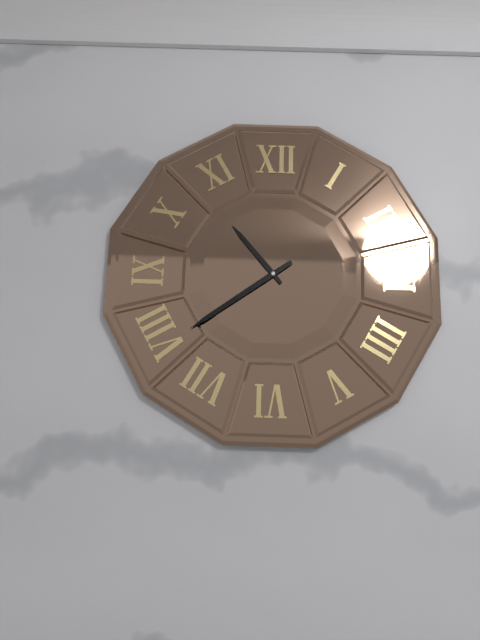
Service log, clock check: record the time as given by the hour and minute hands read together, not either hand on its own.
10:39
